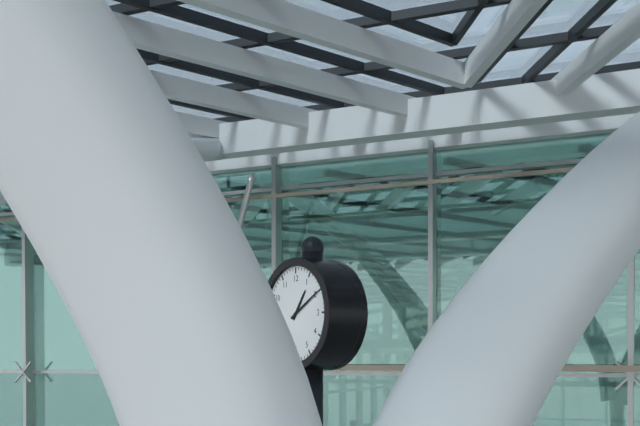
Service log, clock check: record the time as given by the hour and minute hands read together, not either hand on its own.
1:10
